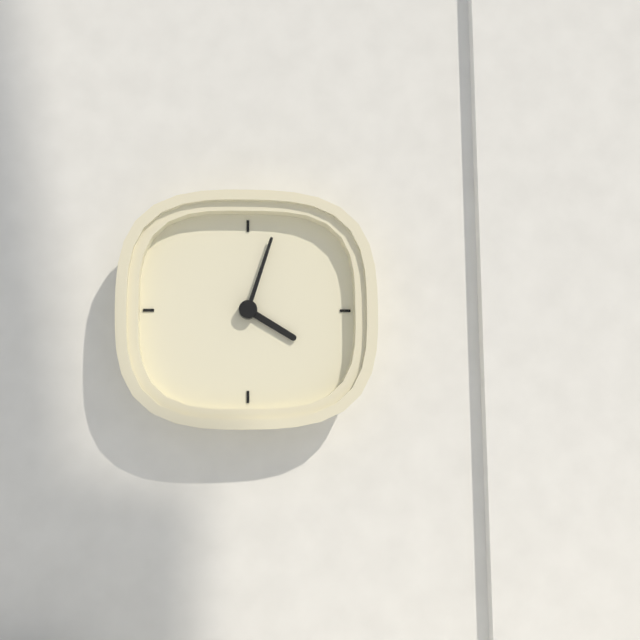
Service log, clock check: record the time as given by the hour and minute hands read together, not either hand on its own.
4:03
